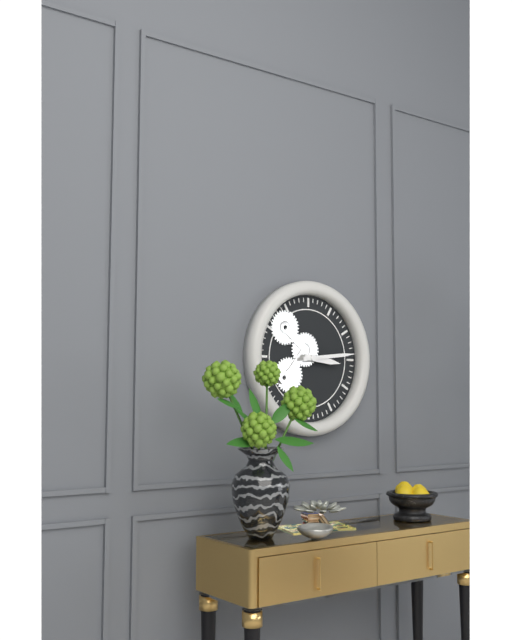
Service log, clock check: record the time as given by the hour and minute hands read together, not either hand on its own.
3:14
